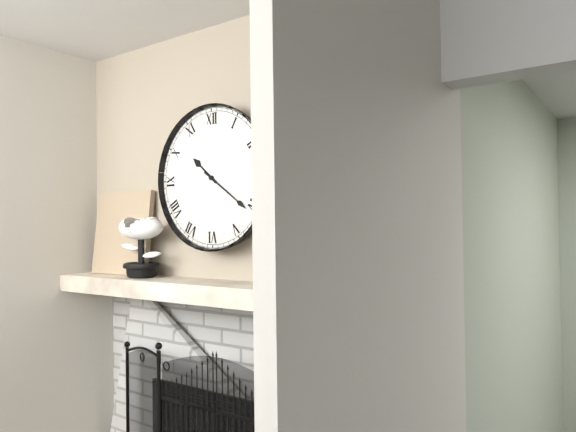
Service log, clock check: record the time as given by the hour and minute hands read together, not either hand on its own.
10:21
